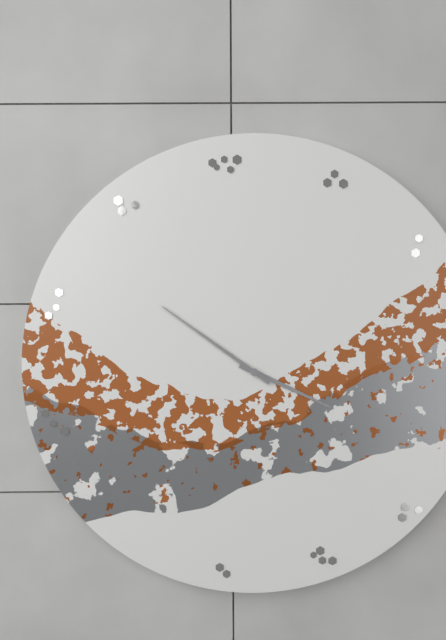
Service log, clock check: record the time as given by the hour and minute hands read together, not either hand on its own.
3:51
